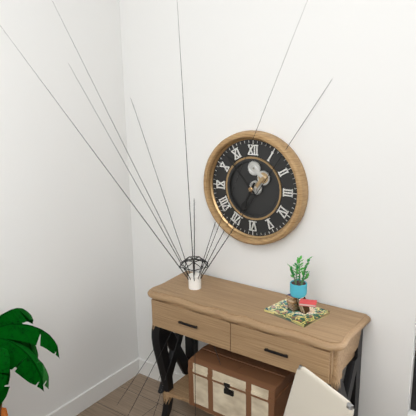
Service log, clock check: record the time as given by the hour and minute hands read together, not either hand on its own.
6:53
